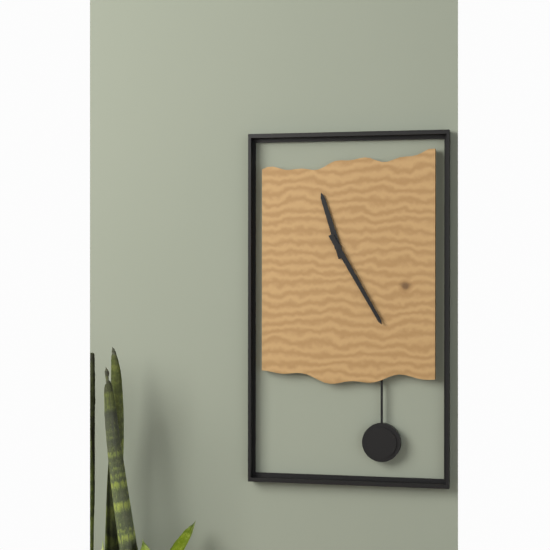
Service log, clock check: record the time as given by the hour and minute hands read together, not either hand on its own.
11:25
